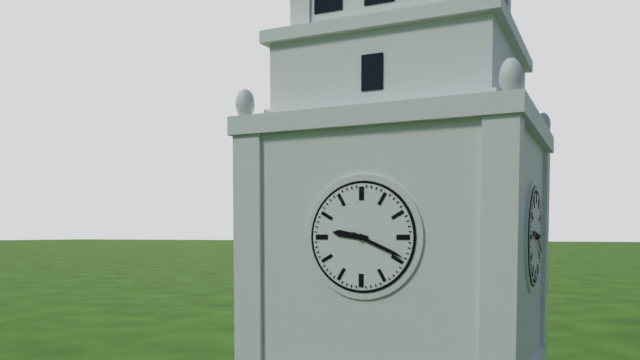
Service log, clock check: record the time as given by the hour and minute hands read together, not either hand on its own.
9:19
